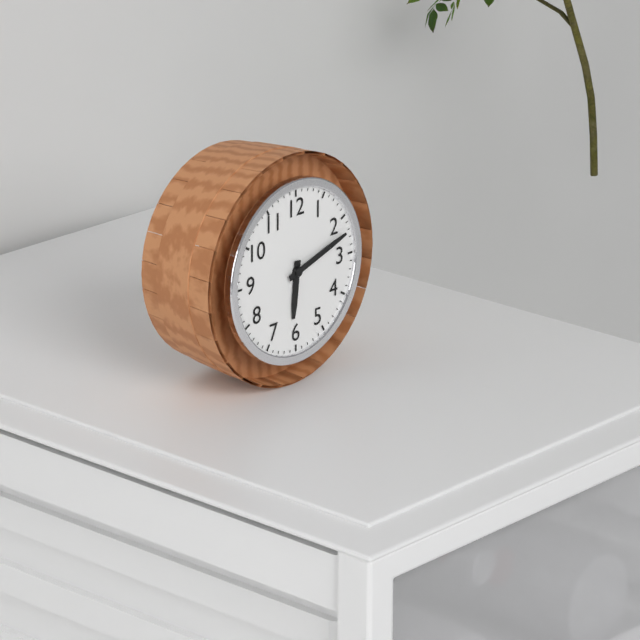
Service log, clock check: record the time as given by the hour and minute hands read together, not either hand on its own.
6:12
